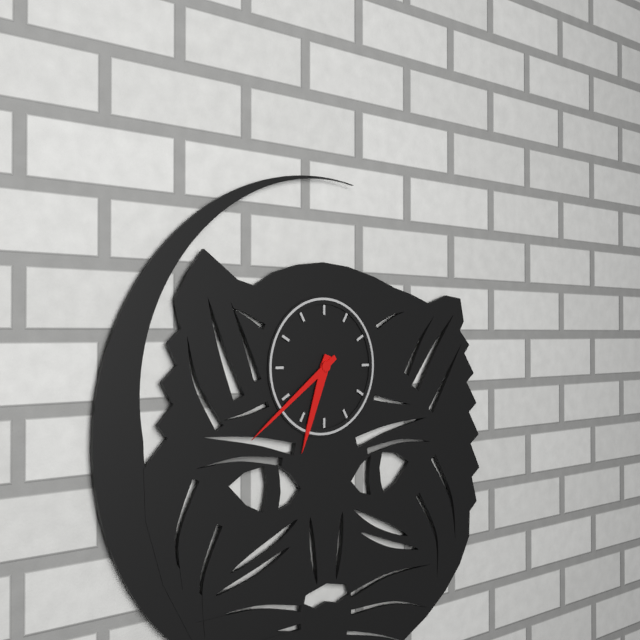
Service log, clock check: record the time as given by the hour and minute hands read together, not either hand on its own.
6:39
